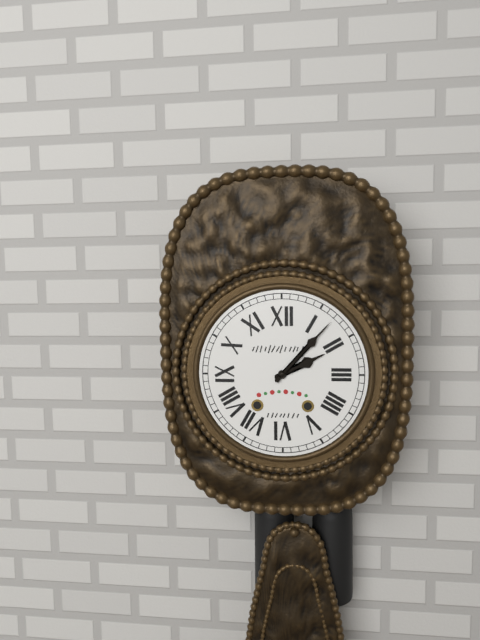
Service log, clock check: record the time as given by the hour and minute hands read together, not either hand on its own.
2:07
